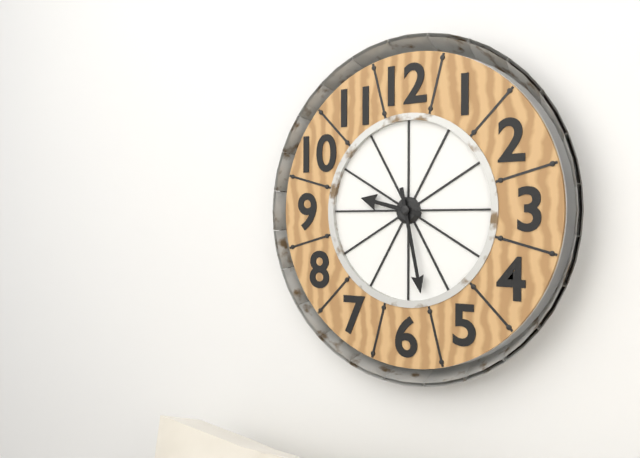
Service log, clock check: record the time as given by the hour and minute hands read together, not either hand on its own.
9:28
